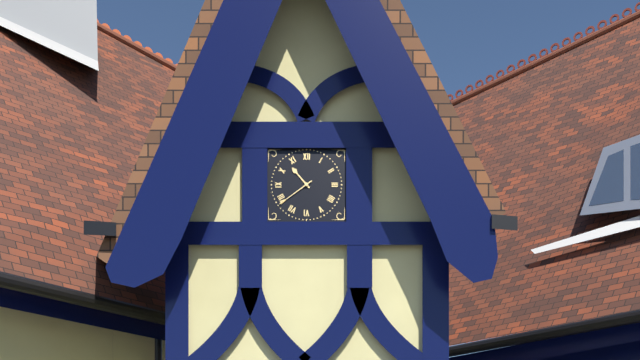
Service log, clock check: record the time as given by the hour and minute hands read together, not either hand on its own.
10:39
